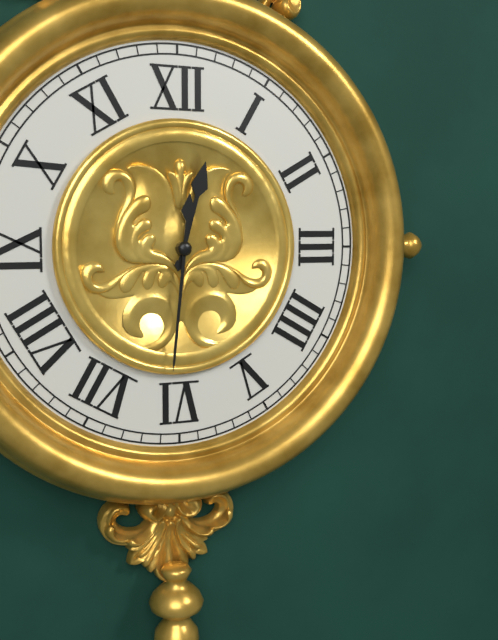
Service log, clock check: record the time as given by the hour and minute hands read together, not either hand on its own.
12:31
